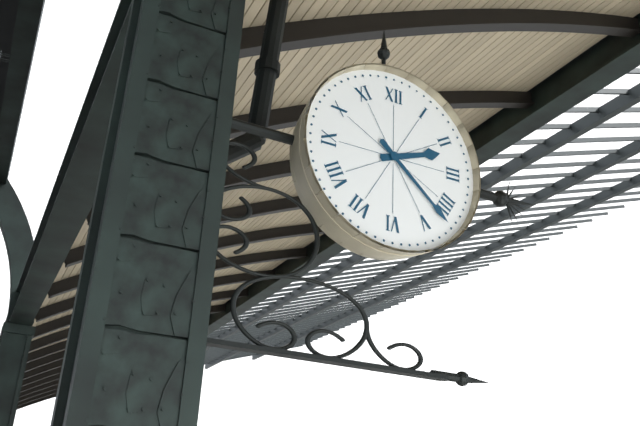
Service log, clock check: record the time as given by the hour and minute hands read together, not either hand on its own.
2:22
